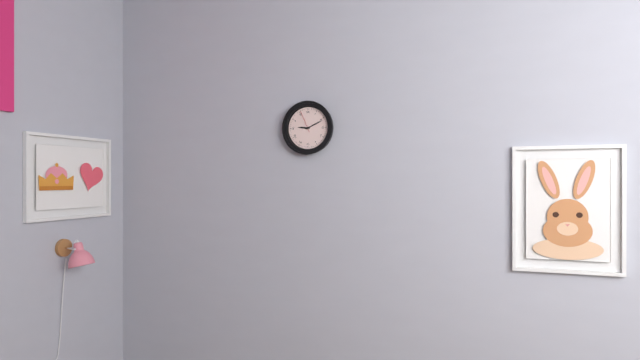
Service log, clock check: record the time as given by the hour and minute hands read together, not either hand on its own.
9:11
